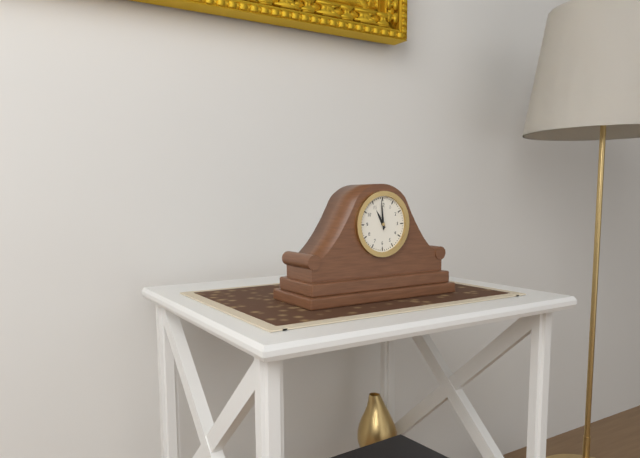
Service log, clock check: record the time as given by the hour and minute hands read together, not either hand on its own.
10:59
